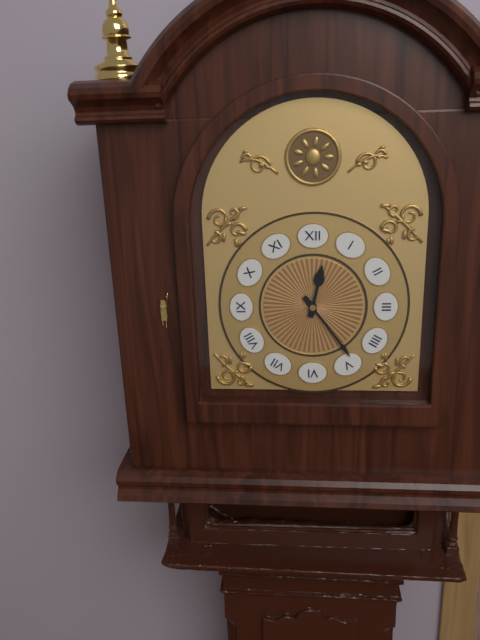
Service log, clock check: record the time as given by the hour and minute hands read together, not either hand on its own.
12:24
